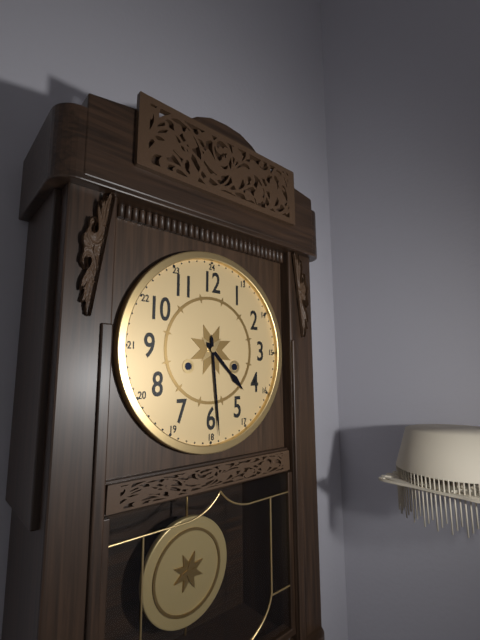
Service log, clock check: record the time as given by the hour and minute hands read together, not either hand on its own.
4:29
